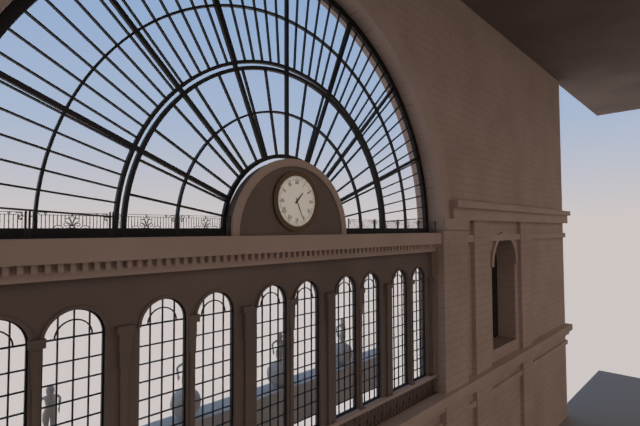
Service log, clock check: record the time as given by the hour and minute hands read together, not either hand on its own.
1:26
